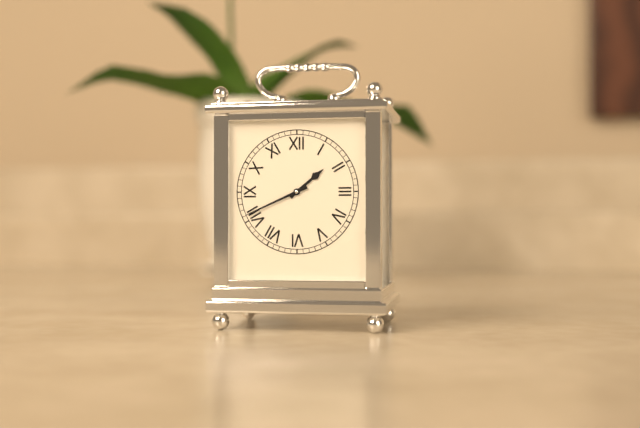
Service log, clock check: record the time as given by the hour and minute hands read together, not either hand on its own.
1:41
